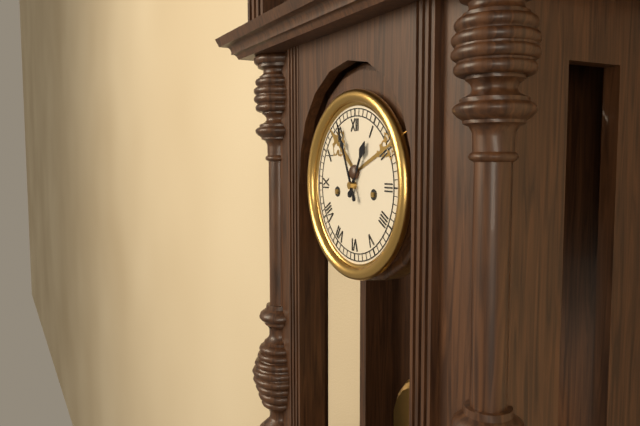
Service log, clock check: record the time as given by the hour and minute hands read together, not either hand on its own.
12:56
